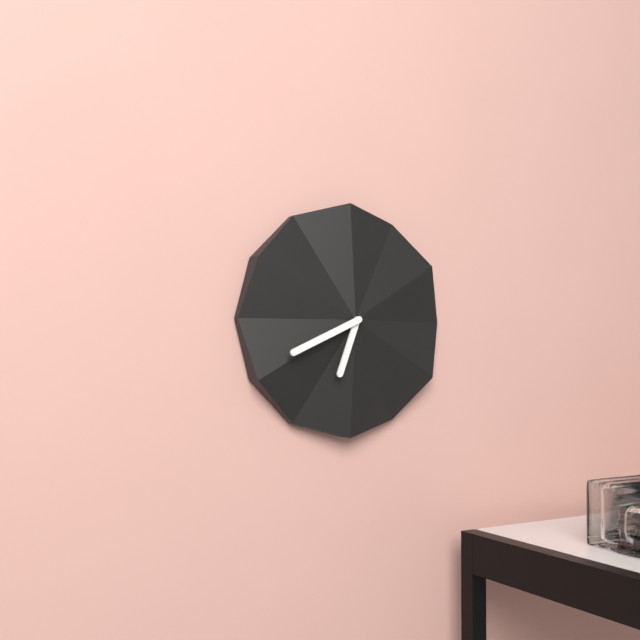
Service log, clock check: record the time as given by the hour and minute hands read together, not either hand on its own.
6:41
